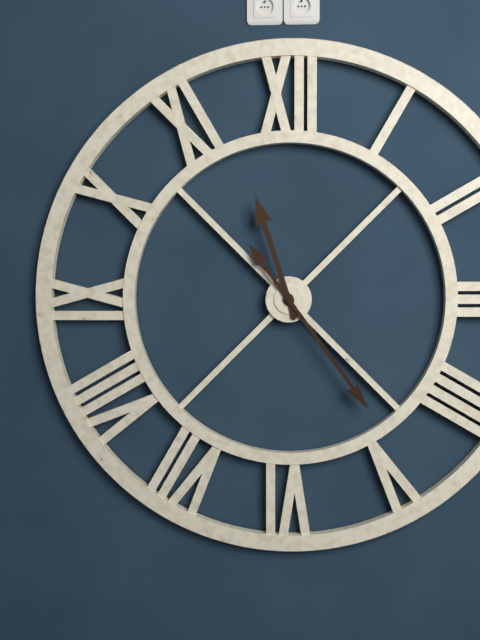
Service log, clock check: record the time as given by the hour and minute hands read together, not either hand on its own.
11:24
